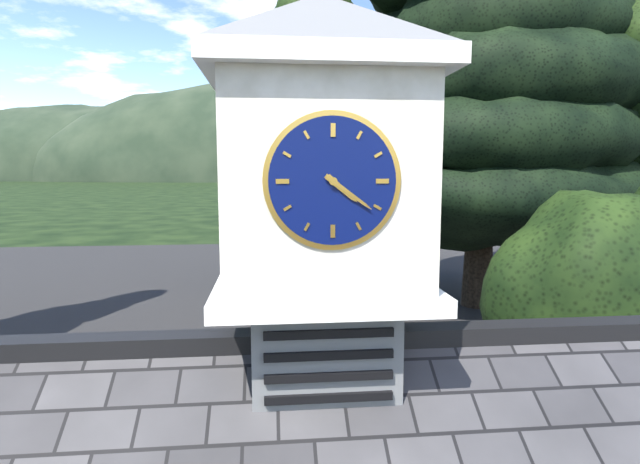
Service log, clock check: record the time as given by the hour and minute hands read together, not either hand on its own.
4:21
